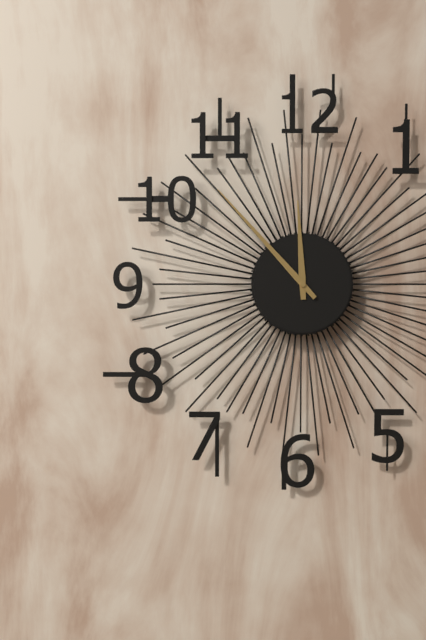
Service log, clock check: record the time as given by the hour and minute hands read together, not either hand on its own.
11:53
